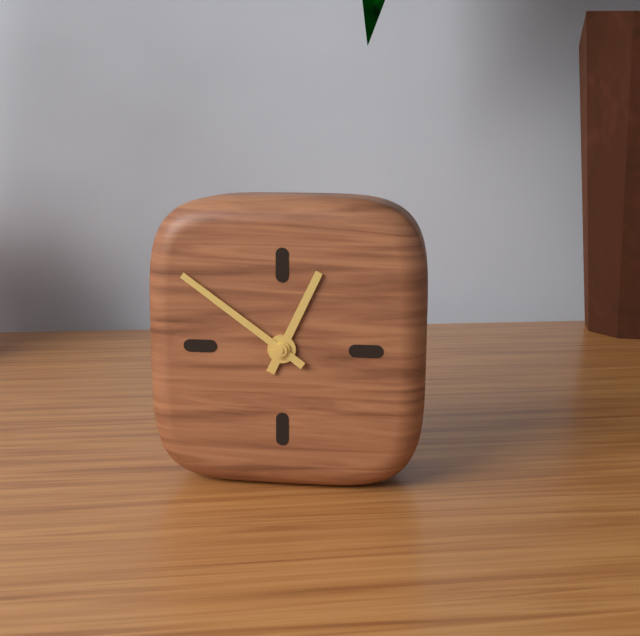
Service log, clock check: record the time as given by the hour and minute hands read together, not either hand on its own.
12:51
